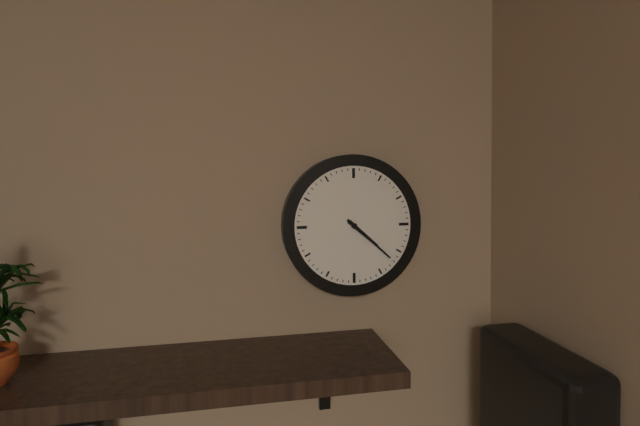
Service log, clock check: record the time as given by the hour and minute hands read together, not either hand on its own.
4:22
